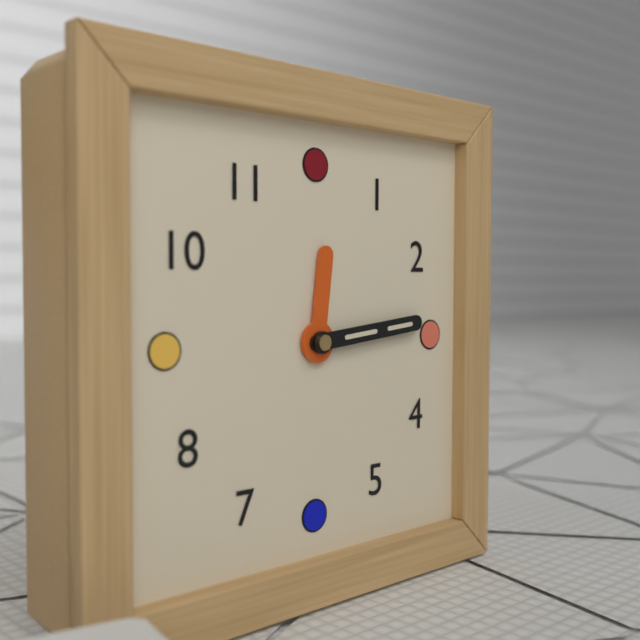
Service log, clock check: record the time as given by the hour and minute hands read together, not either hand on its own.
12:14
